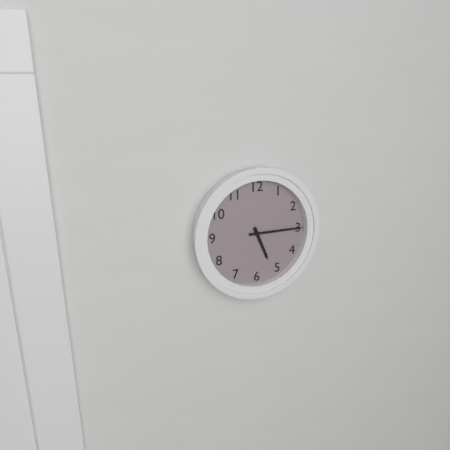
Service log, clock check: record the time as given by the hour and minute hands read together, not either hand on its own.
5:15
